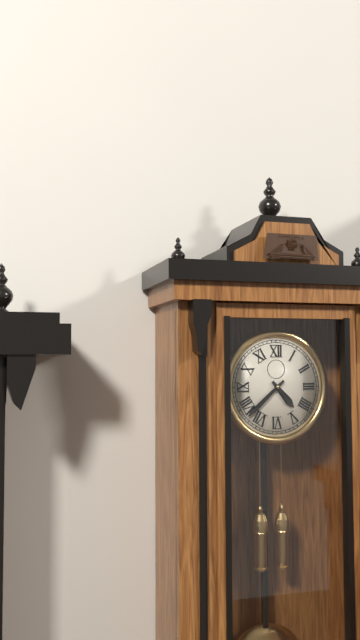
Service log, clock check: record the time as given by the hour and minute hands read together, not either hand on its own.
4:38
